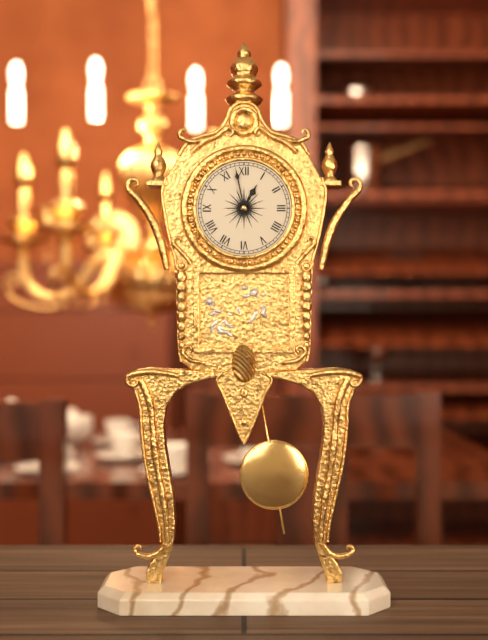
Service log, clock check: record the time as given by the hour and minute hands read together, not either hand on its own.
12:58
